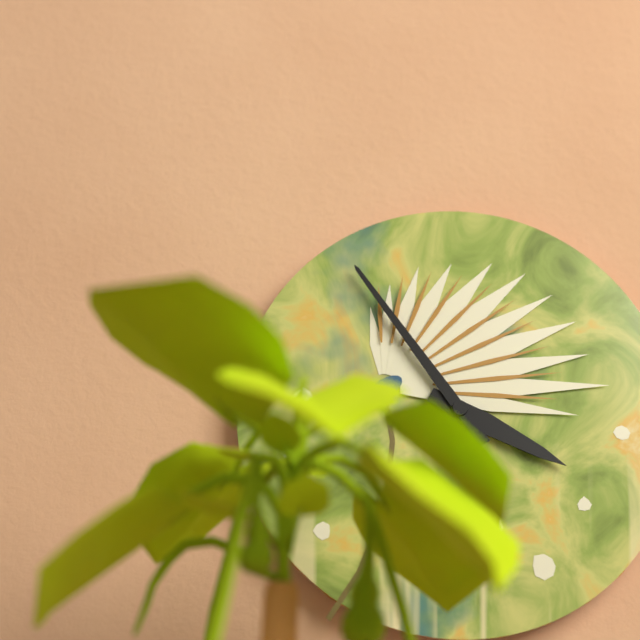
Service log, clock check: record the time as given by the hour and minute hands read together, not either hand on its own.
3:54
